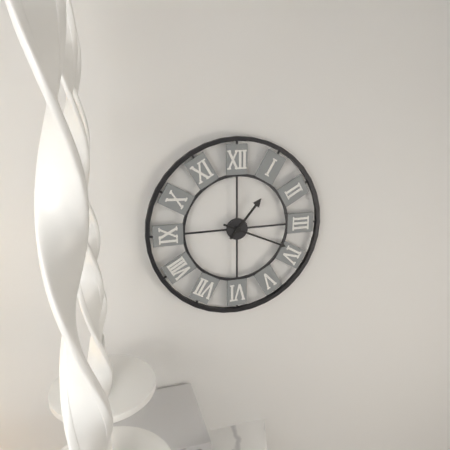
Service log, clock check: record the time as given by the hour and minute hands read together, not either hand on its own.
1:19
